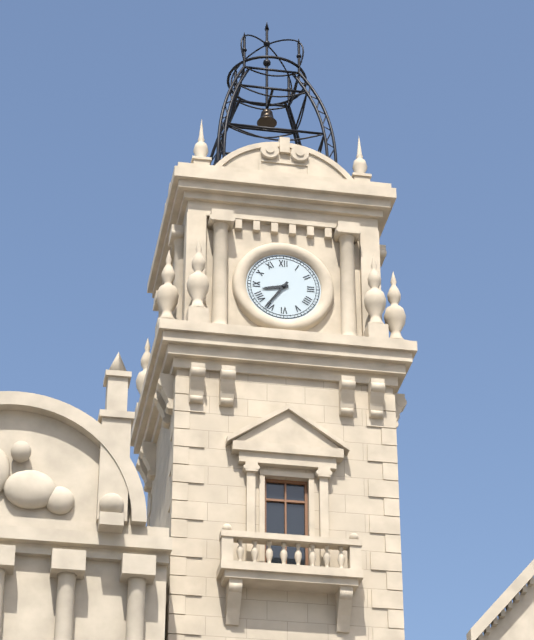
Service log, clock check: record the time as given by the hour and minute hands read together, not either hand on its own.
8:36
